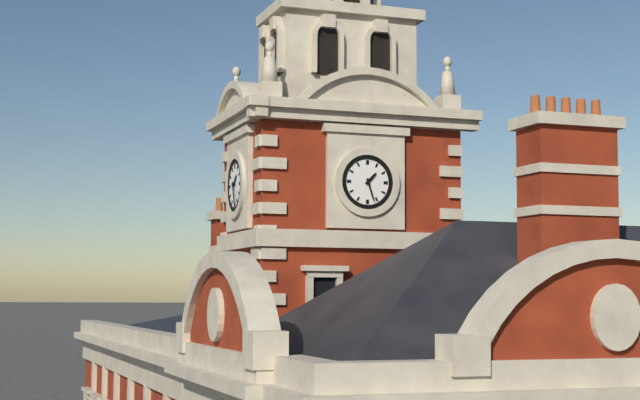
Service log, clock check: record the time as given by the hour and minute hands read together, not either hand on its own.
1:27
